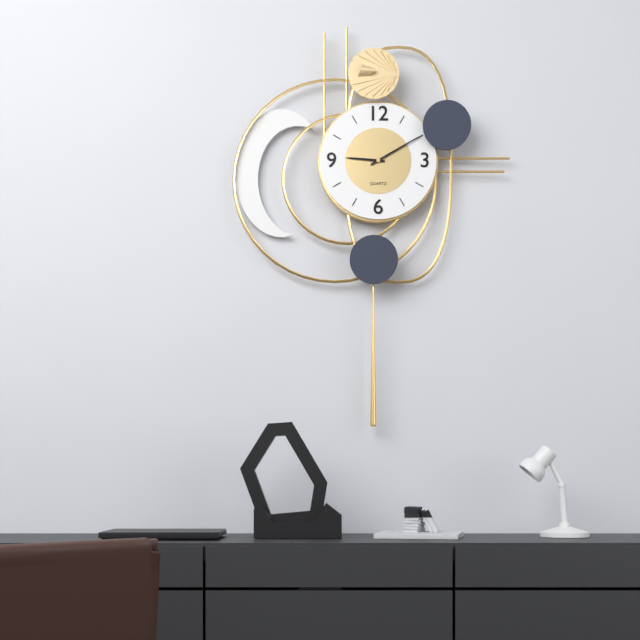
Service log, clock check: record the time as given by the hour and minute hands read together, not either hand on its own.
9:10
